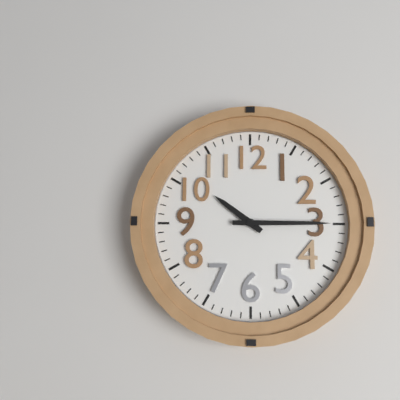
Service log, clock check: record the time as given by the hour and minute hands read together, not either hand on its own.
10:15
